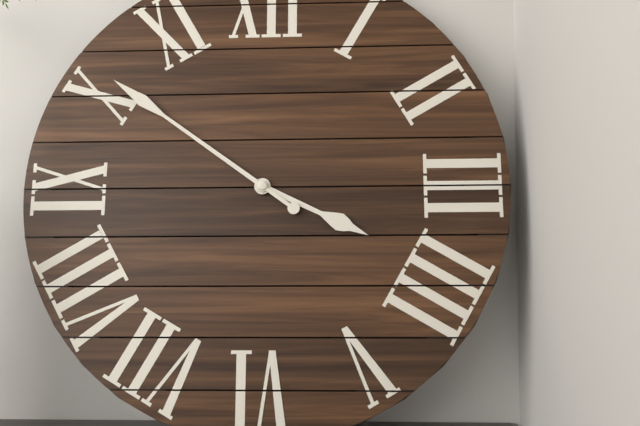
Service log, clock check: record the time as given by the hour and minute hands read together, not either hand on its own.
3:51
